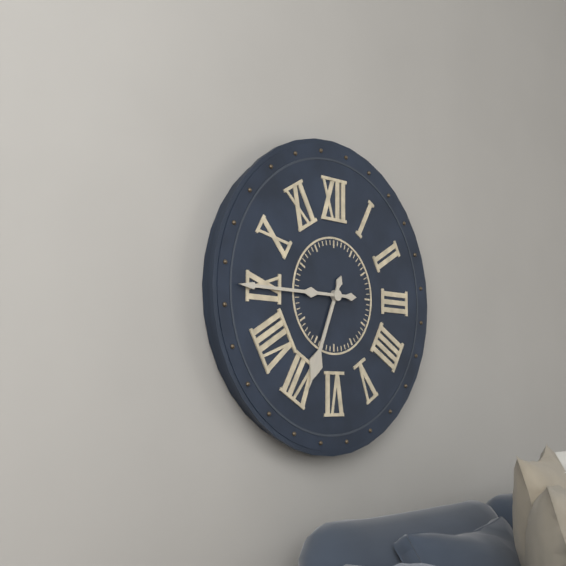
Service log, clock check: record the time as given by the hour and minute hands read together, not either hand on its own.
6:45
